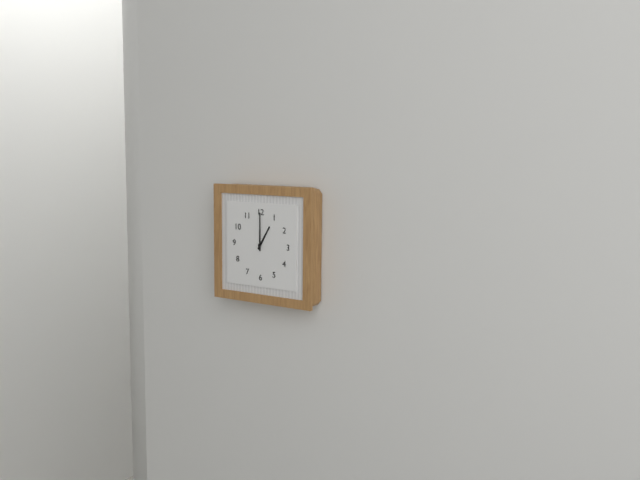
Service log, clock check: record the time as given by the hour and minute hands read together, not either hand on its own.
1:00
